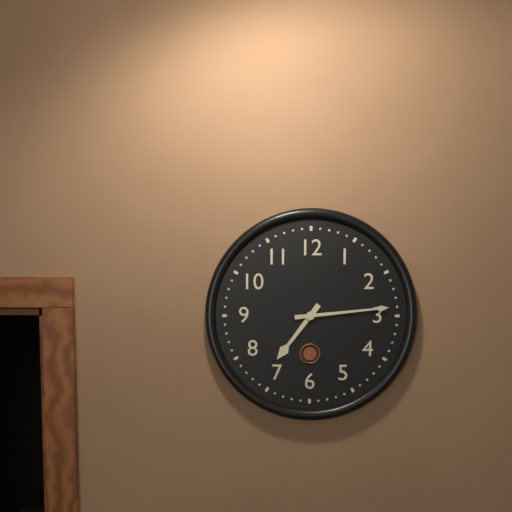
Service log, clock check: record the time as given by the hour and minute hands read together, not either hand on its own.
7:14
